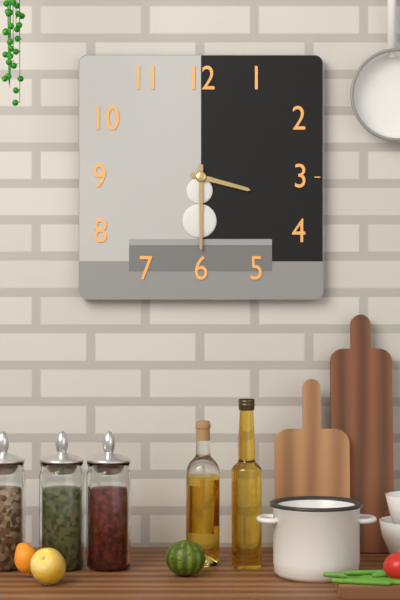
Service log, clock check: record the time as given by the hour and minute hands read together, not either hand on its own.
3:30
